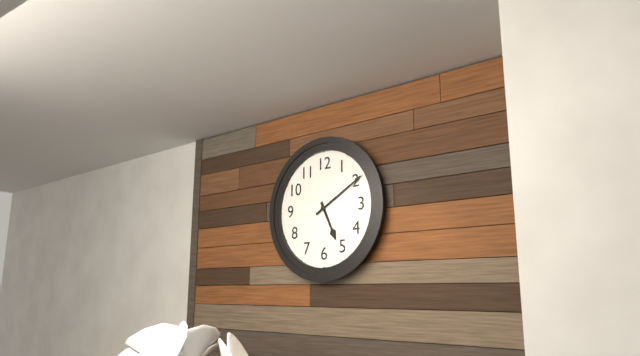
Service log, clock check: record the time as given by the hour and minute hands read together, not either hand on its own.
5:10
